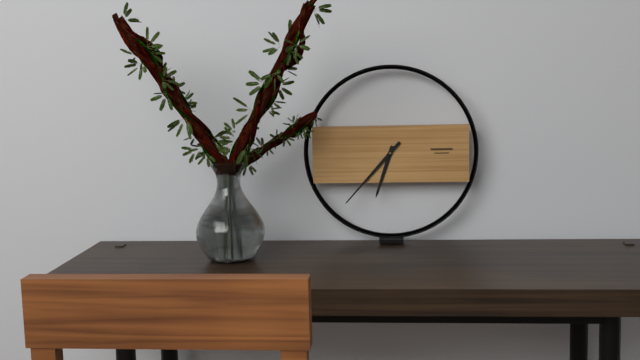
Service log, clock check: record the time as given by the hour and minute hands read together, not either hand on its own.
6:37
